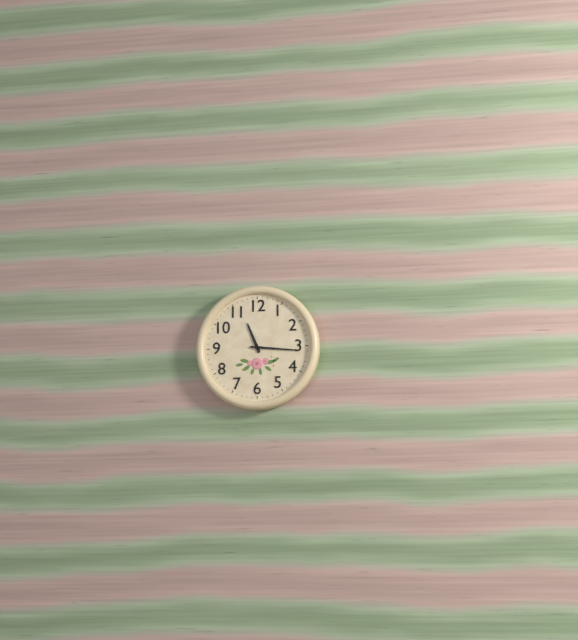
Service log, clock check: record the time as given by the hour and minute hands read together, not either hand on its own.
11:16
